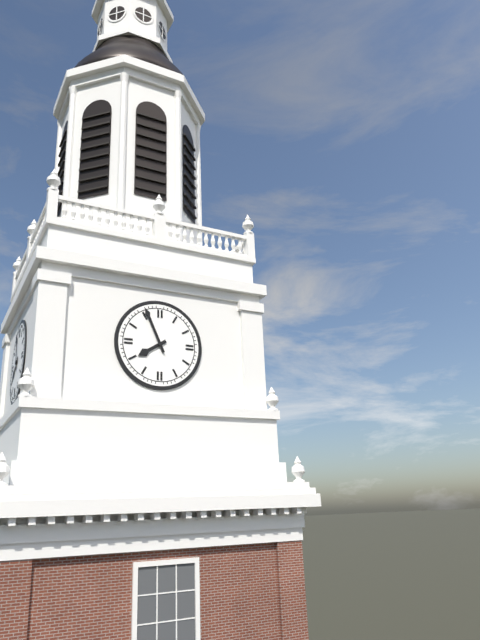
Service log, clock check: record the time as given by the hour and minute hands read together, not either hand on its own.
7:56
